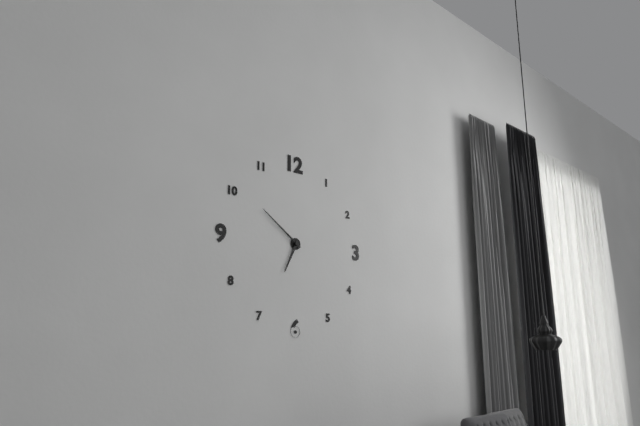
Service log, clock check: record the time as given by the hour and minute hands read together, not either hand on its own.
6:51
